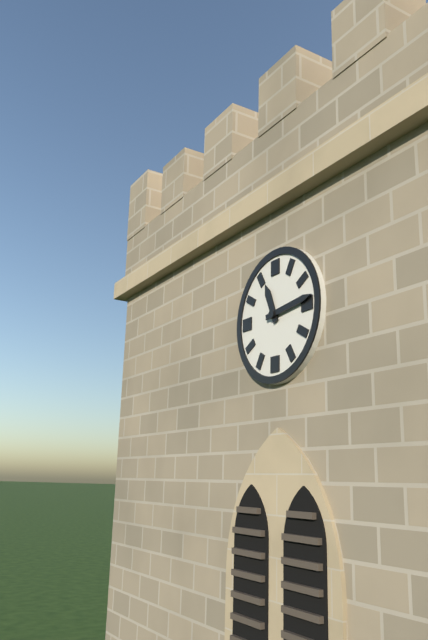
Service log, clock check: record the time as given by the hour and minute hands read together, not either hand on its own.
11:14
